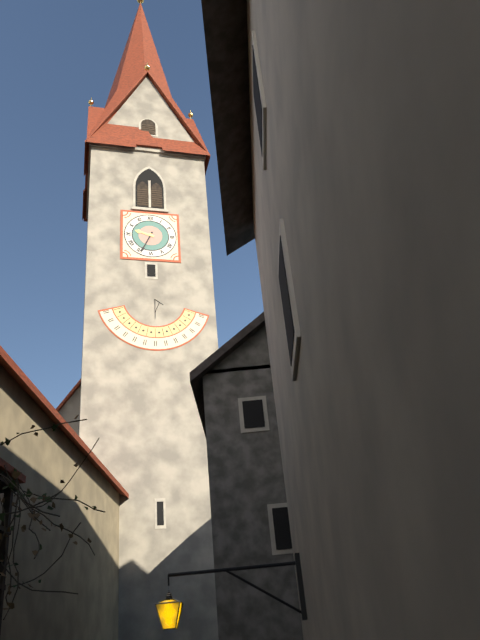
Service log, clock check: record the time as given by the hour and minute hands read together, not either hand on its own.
9:34
